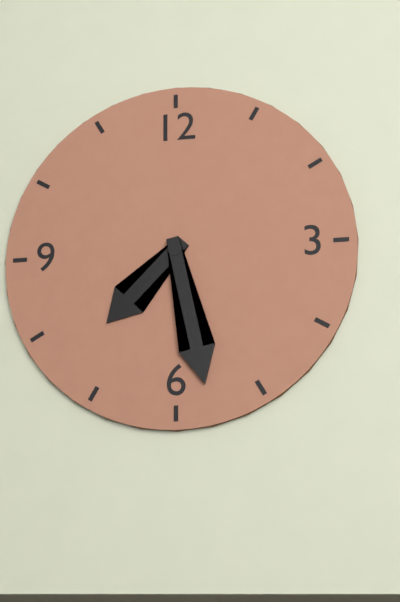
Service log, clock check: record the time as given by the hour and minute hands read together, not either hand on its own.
7:28
